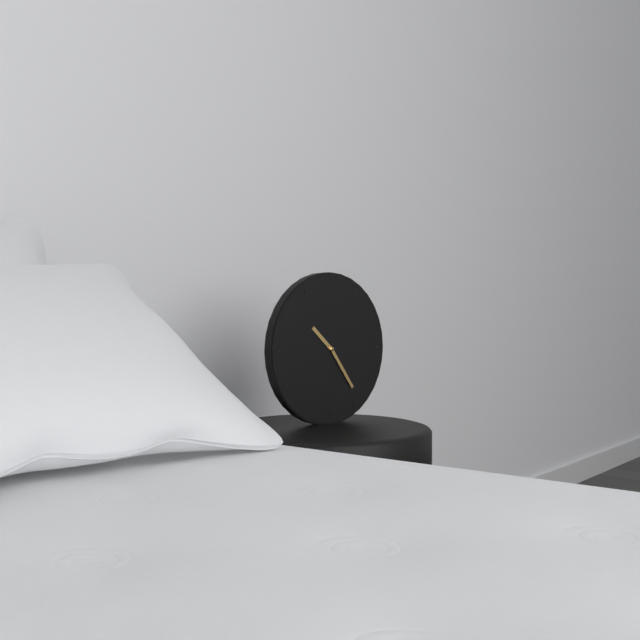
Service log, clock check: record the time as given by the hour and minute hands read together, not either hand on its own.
10:24
